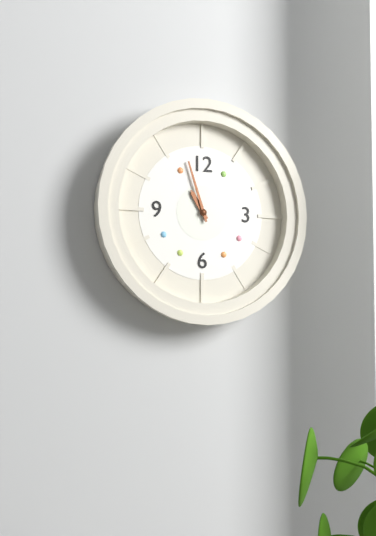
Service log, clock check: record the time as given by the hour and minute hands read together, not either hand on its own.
10:57
